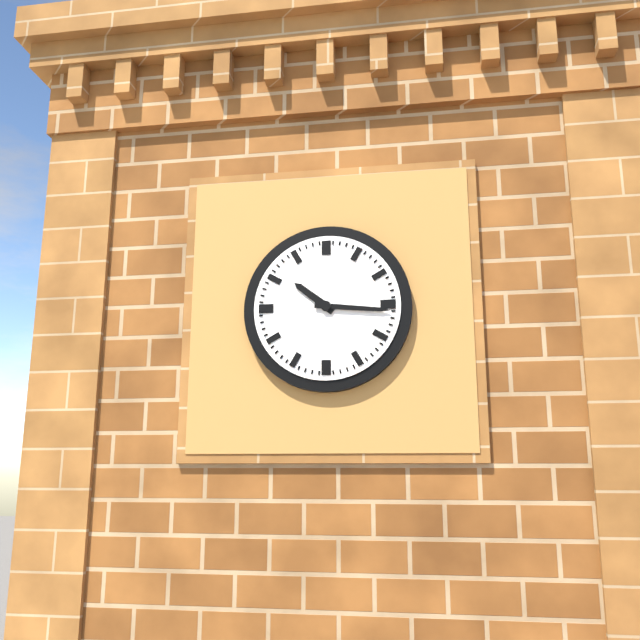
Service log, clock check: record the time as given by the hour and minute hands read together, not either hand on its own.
10:16
